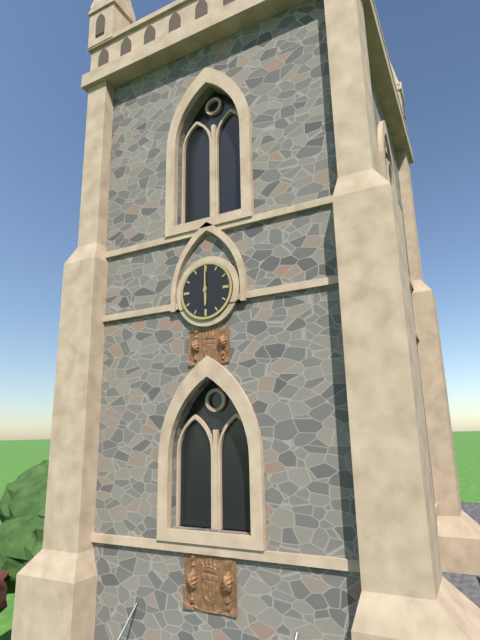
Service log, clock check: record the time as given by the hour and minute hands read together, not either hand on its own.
6:00
